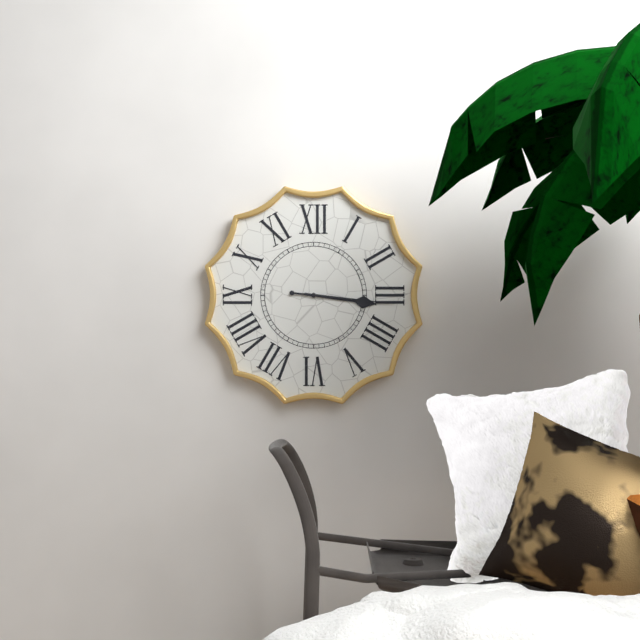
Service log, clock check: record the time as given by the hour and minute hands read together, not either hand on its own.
3:16
